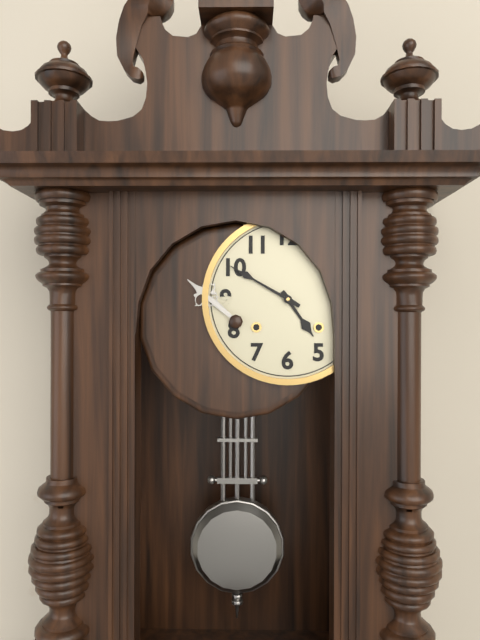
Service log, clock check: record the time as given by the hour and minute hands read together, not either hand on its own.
4:50
